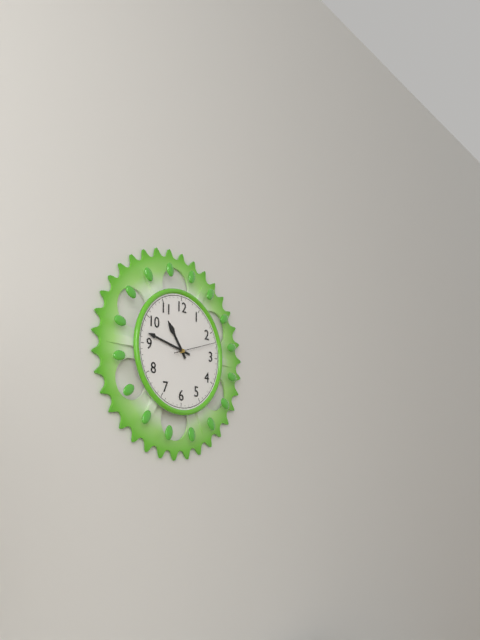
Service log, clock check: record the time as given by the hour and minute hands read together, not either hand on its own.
10:47
